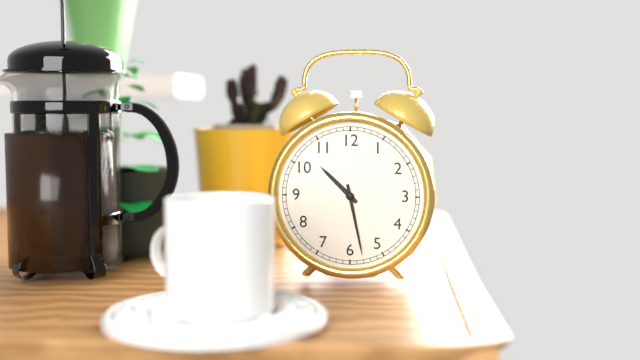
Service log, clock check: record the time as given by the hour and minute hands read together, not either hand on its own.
10:28
